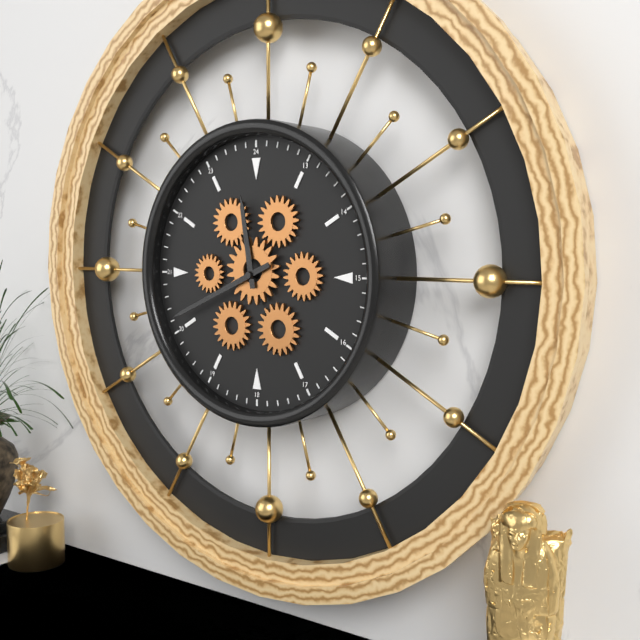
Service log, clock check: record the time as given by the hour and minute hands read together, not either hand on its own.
11:41
